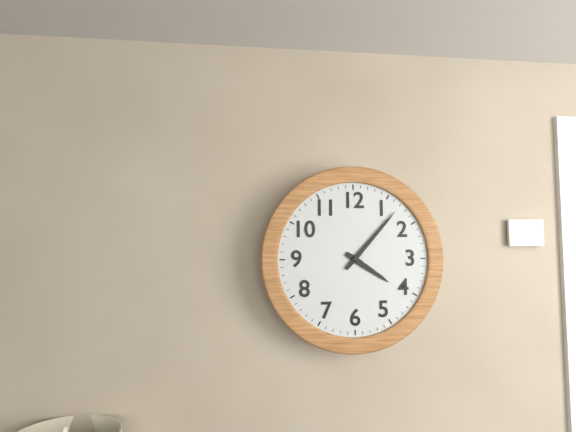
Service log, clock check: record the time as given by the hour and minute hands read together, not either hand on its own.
4:07
